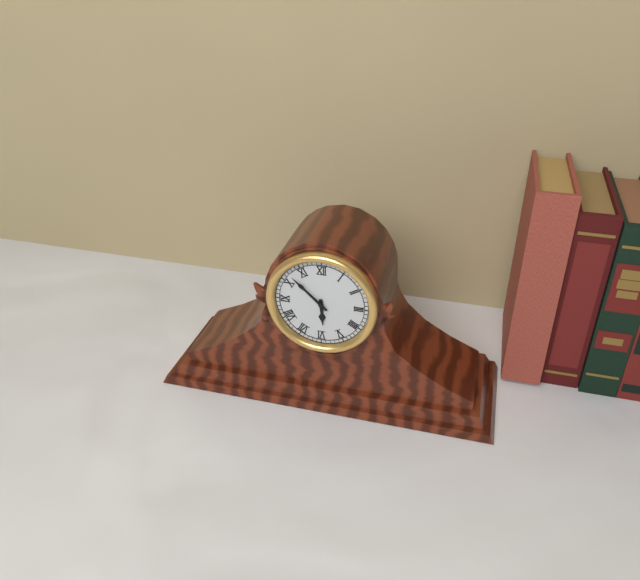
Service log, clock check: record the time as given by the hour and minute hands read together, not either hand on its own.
5:52
